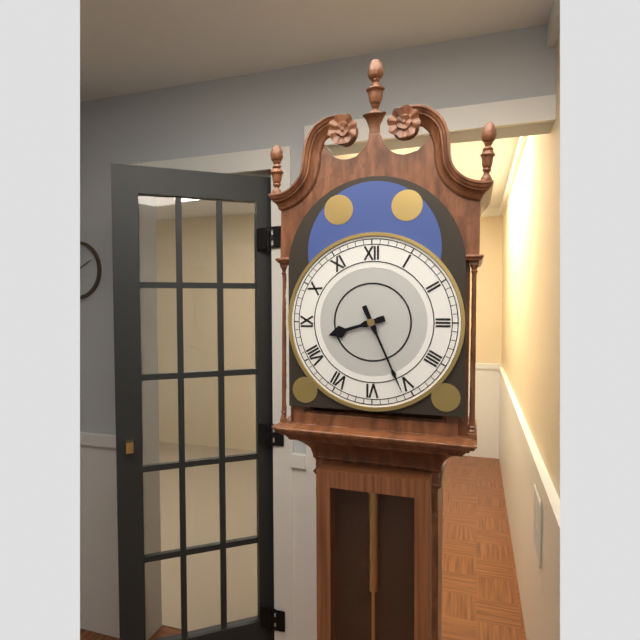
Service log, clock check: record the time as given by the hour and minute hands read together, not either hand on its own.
8:26
